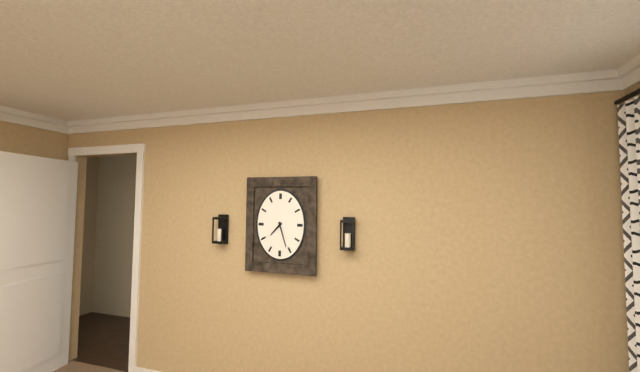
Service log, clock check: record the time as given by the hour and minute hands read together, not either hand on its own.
7:27
